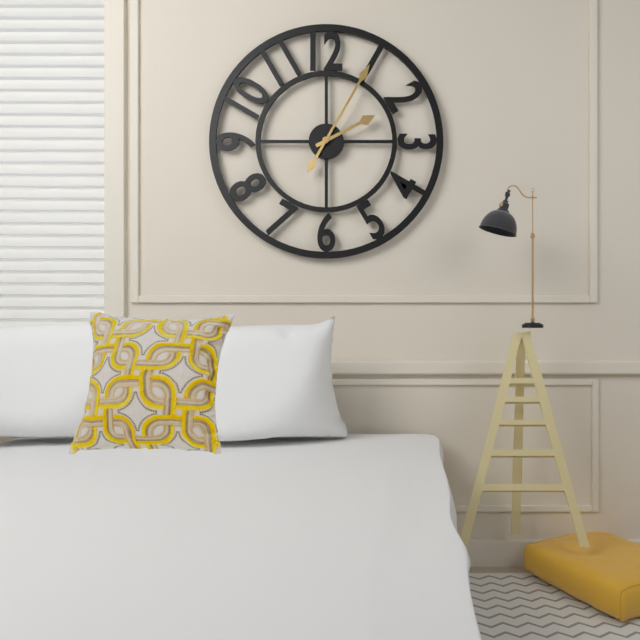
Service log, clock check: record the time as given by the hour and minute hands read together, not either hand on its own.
2:05
